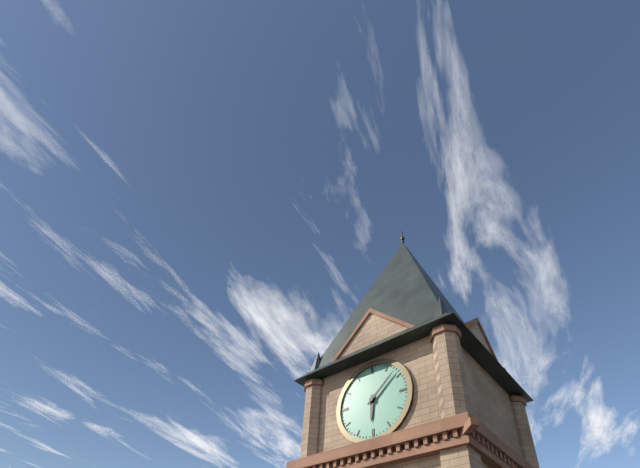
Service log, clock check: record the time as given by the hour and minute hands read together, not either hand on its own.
6:08
